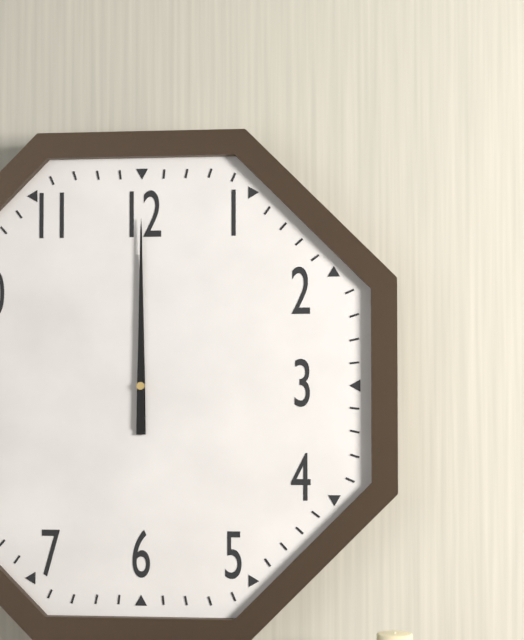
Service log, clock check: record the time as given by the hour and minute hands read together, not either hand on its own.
12:00
